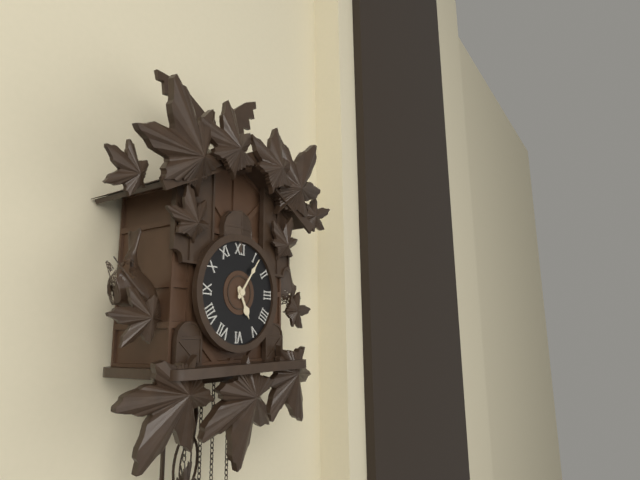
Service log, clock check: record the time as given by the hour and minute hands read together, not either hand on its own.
5:06
